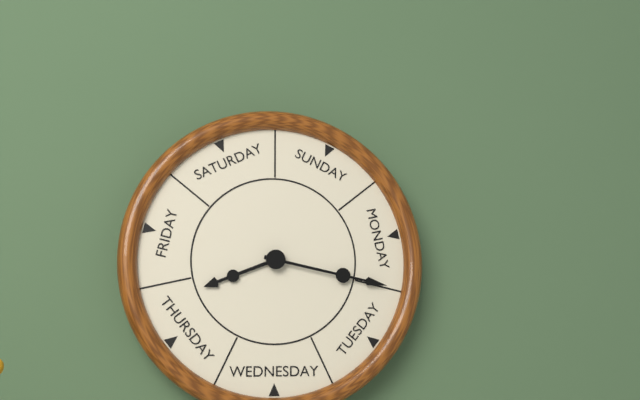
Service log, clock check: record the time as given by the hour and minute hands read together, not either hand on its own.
8:17
